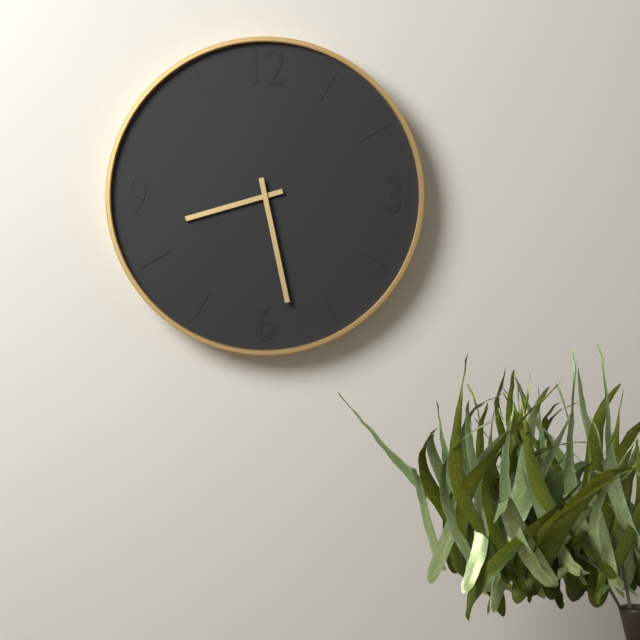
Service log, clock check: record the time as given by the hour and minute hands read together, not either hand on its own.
8:28
